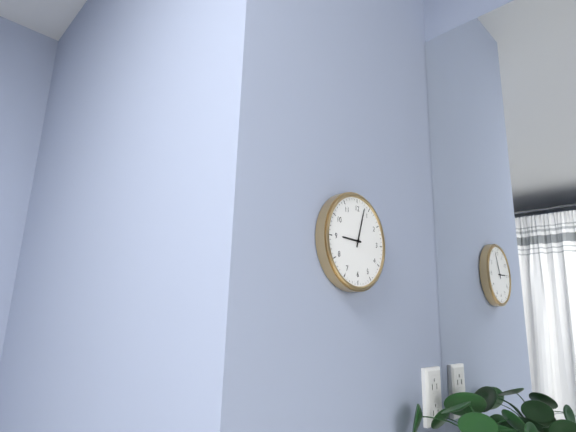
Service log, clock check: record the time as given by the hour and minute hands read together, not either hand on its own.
9:03
